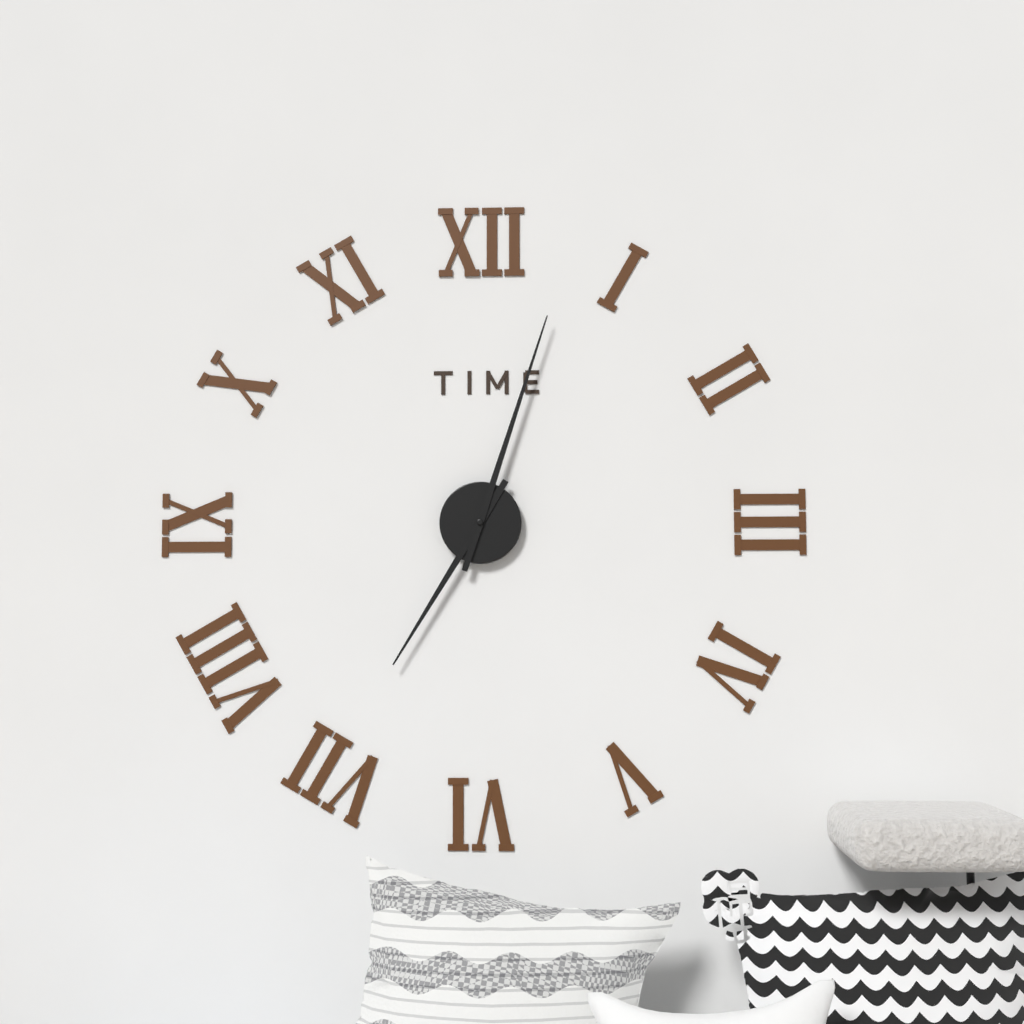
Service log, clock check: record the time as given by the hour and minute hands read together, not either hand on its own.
7:03
